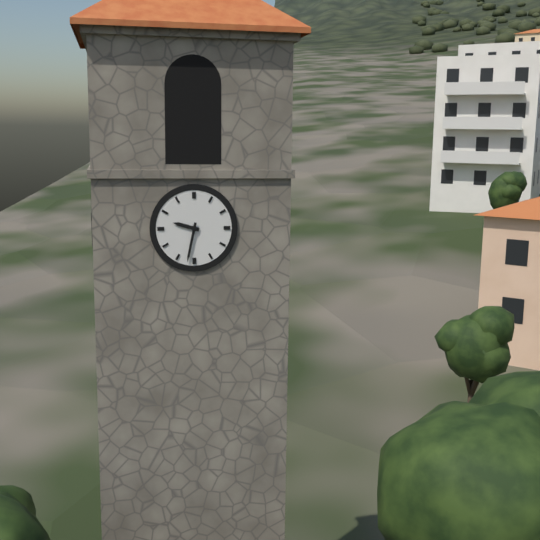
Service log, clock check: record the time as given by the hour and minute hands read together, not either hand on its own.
9:32
